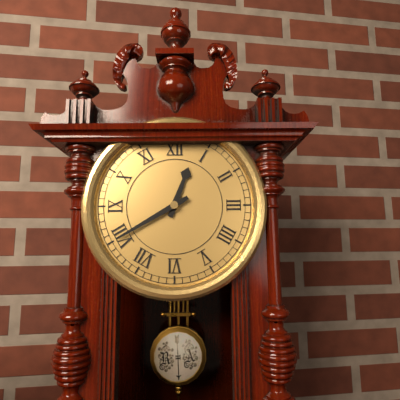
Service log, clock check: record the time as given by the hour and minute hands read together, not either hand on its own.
12:40
